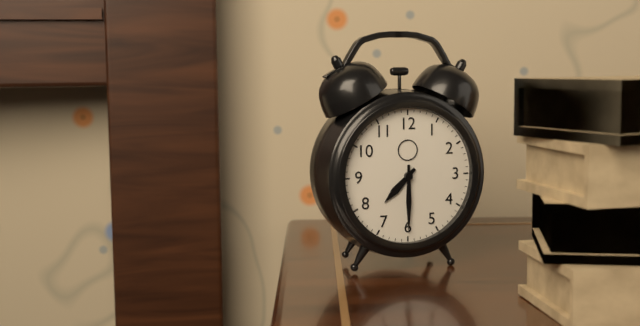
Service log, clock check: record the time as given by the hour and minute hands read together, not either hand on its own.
7:30
